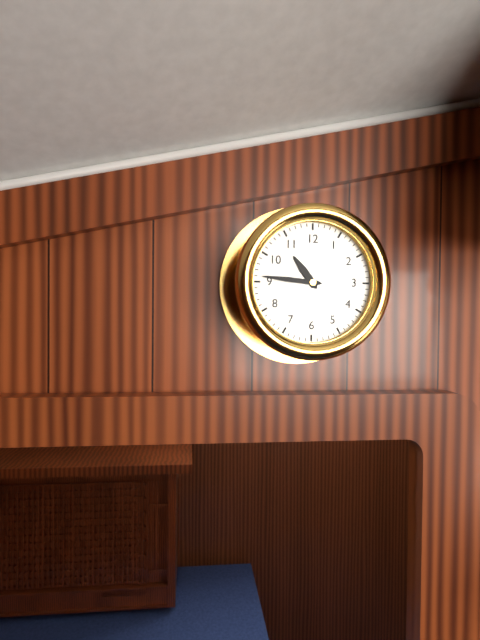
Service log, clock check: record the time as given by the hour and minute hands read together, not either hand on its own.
10:46
